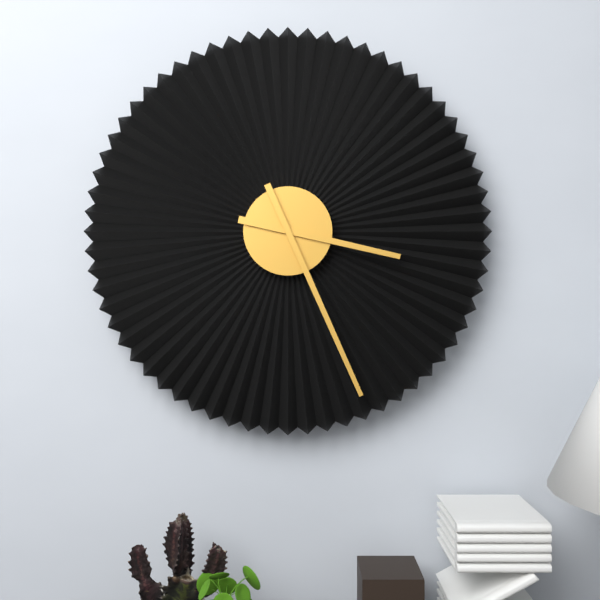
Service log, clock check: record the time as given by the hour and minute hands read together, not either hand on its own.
3:26
